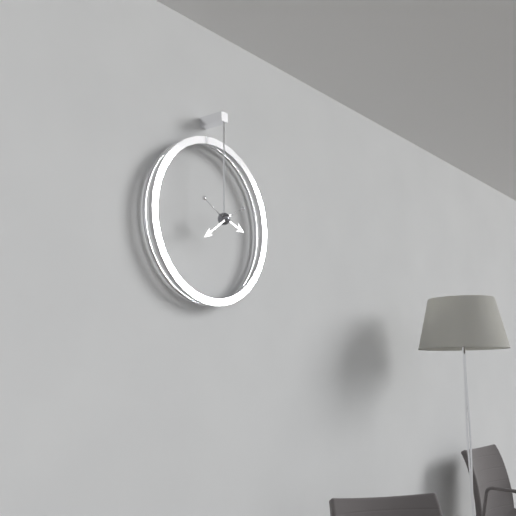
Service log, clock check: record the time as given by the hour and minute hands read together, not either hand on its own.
3:39
